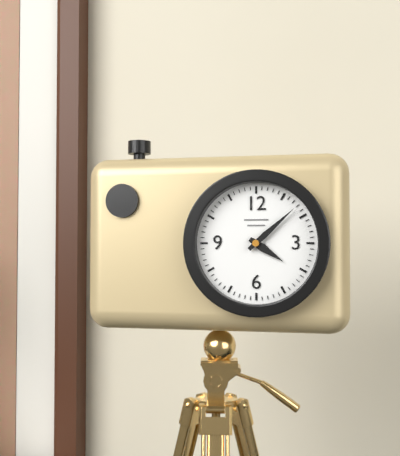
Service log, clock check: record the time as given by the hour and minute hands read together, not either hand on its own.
4:08
